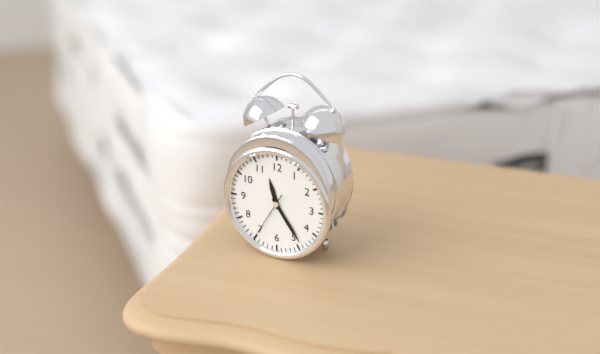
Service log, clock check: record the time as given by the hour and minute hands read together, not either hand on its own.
11:24
